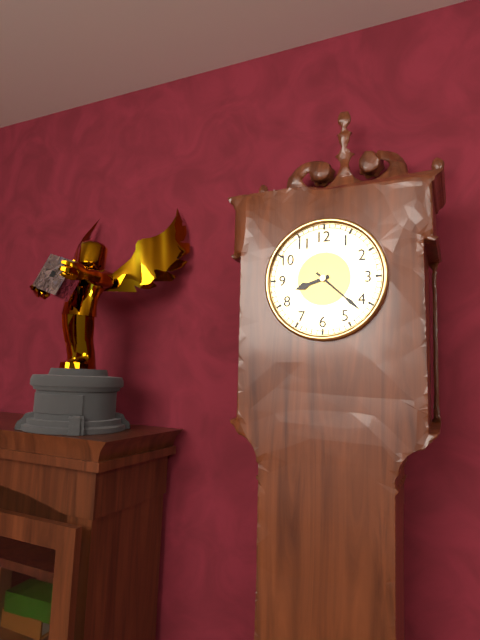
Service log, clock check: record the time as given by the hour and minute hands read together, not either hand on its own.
8:22
